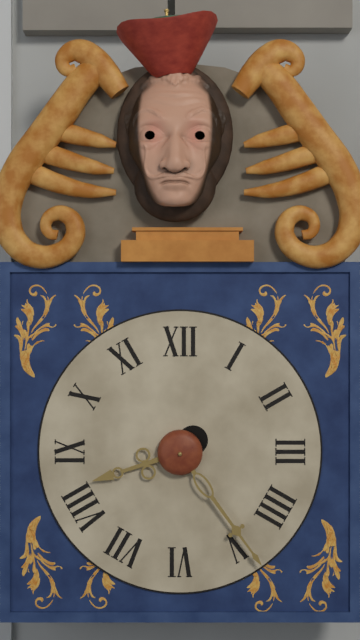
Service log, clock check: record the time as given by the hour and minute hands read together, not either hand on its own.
8:24
